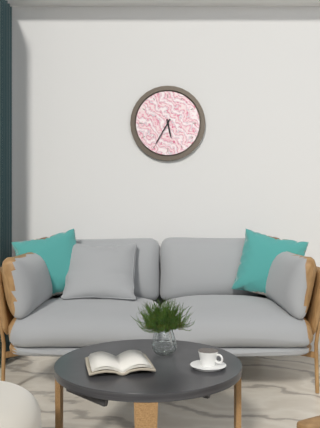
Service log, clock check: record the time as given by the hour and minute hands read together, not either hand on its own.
5:35
